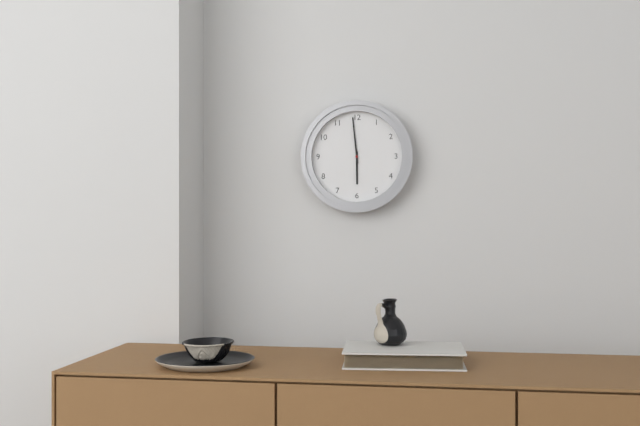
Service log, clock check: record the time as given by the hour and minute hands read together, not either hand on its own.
5:59
